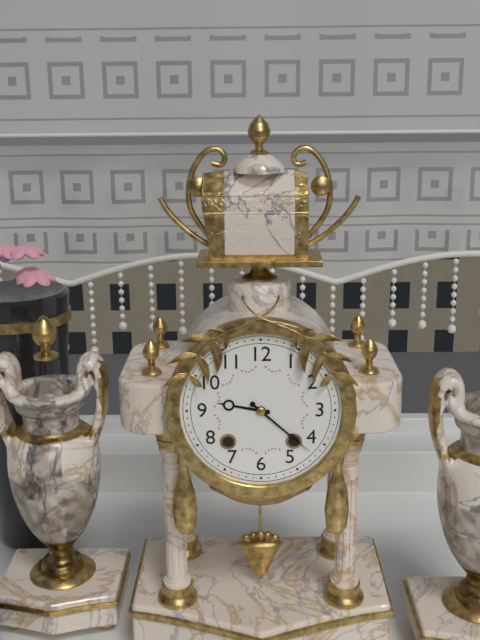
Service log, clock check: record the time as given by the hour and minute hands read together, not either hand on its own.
9:22
